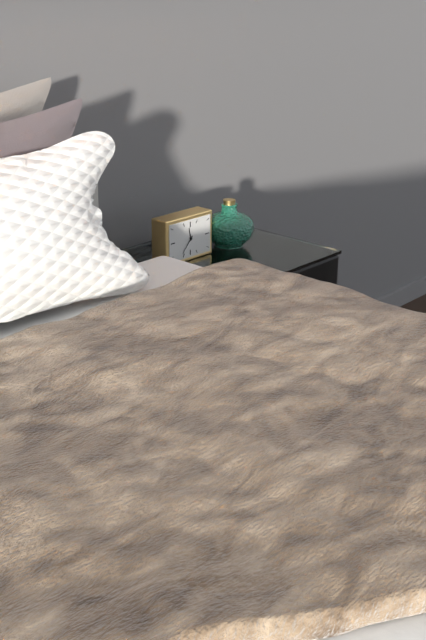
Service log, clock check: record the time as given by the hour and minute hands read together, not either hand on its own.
11:37
